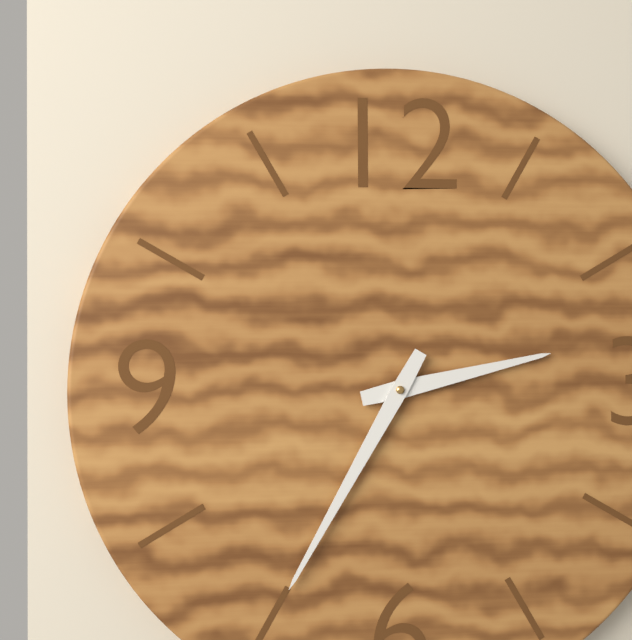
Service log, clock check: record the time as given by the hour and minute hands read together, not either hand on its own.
2:35
